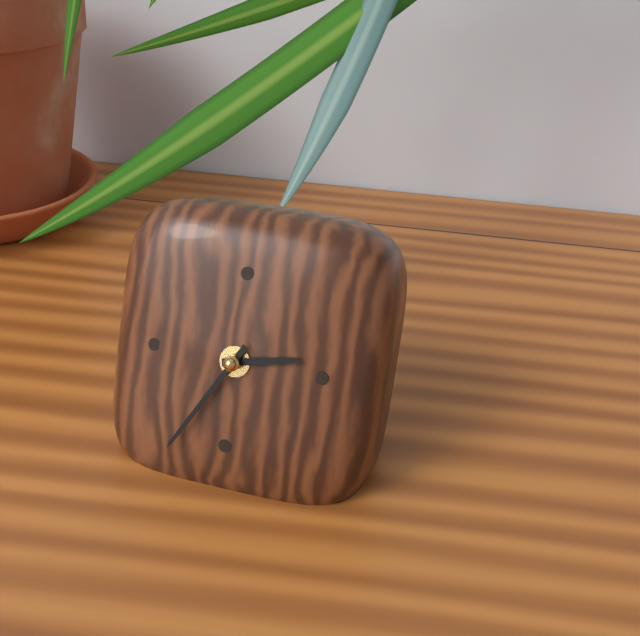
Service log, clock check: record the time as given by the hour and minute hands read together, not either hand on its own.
2:35
